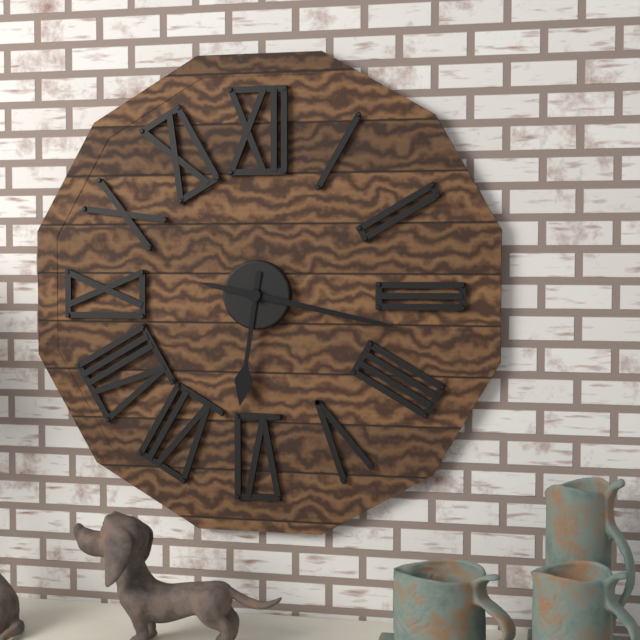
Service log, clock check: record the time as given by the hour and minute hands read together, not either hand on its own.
6:17
